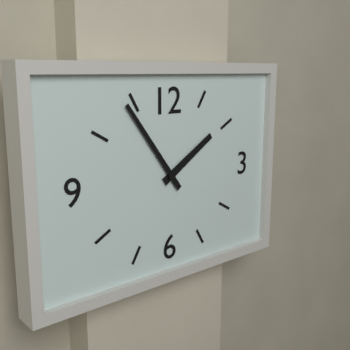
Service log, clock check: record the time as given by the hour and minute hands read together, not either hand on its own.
1:54
